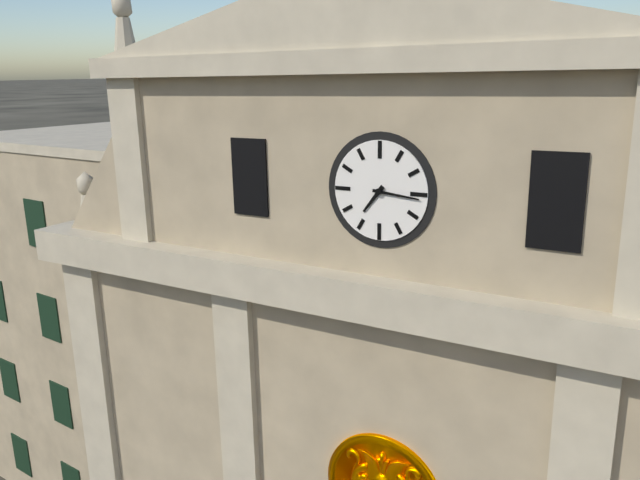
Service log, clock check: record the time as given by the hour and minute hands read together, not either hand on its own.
7:16
